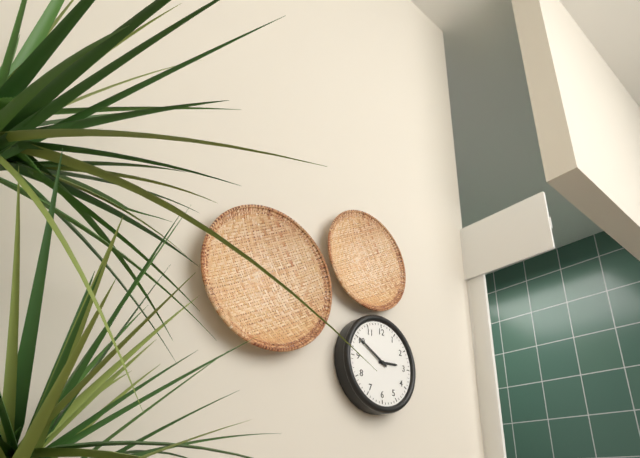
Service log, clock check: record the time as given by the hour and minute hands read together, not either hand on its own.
2:50
